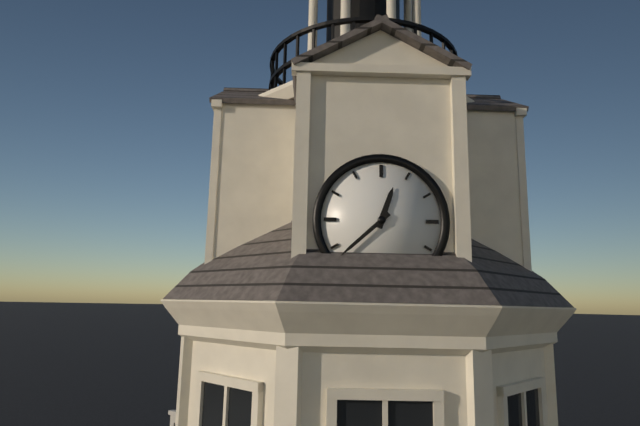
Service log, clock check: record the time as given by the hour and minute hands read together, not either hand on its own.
12:38
